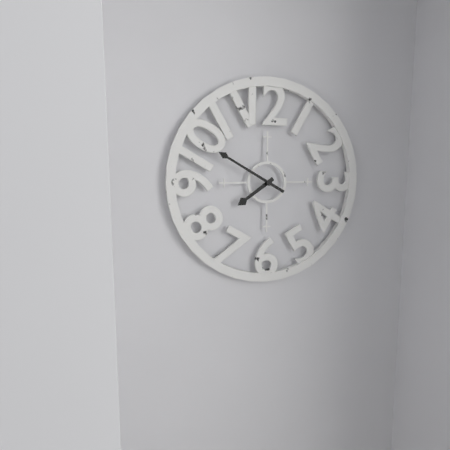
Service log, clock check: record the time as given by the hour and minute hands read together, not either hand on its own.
7:50
